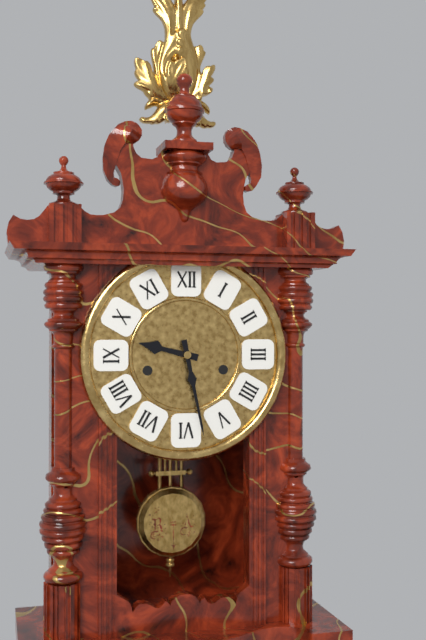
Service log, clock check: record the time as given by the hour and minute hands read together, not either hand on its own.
9:28
